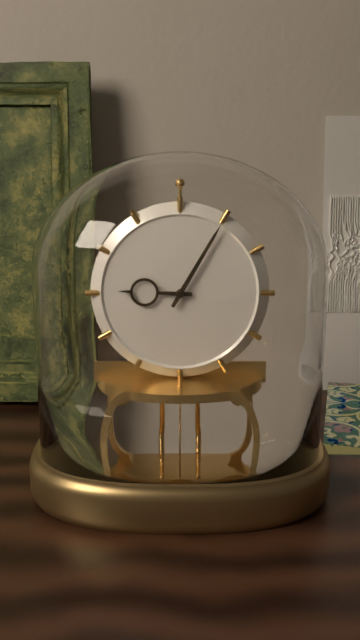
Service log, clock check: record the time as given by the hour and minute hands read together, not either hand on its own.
9:05
